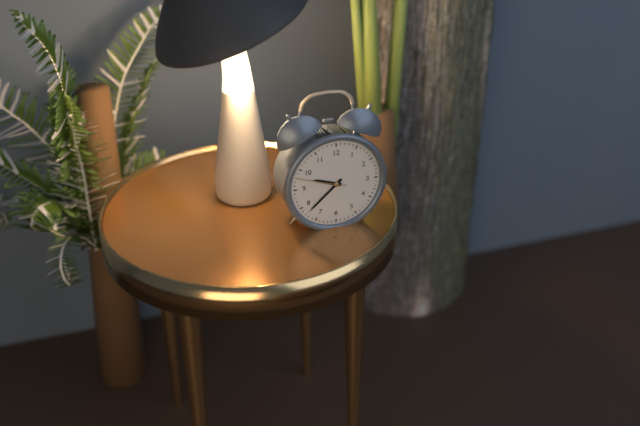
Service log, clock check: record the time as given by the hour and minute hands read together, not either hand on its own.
9:38
